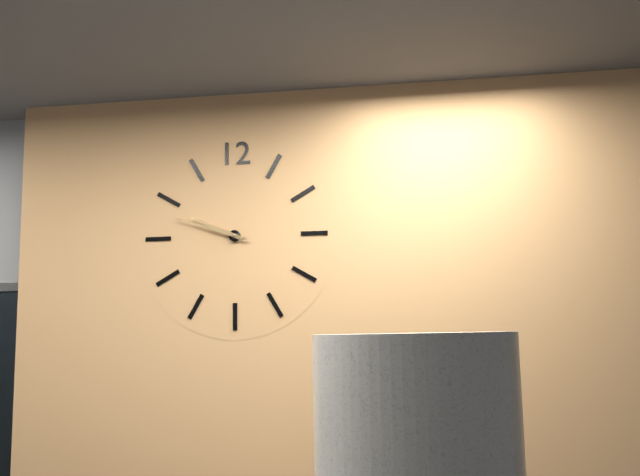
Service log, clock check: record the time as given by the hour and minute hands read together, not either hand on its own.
9:48
